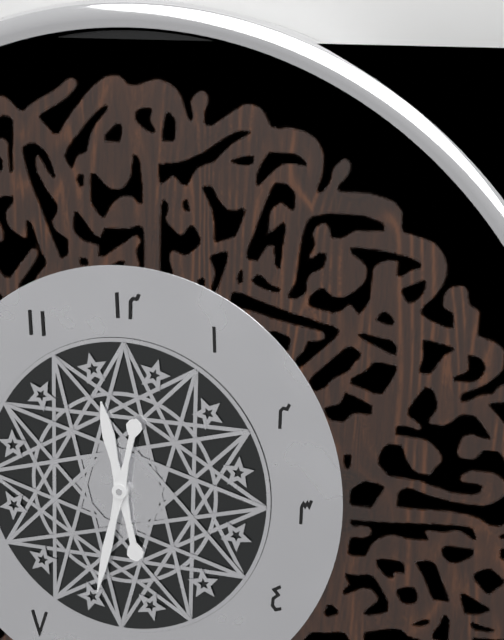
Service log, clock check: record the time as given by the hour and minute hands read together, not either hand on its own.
11:32
